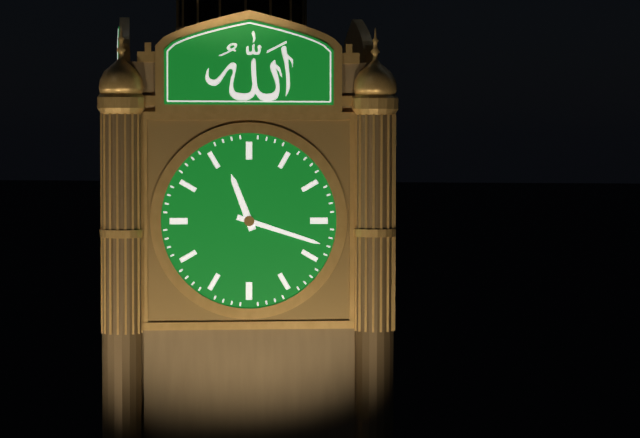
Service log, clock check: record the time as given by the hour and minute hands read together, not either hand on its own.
11:18
